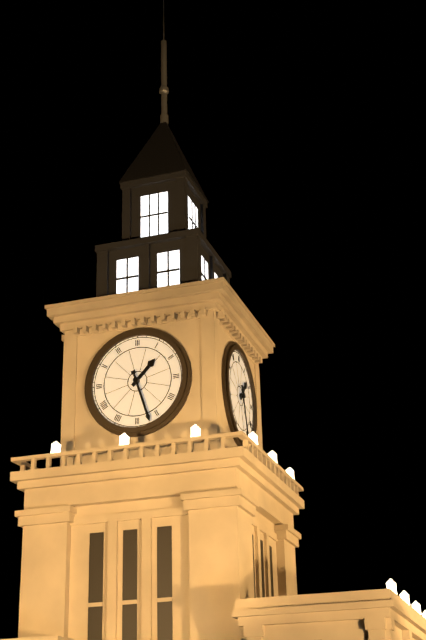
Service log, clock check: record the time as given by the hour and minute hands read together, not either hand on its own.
1:27
